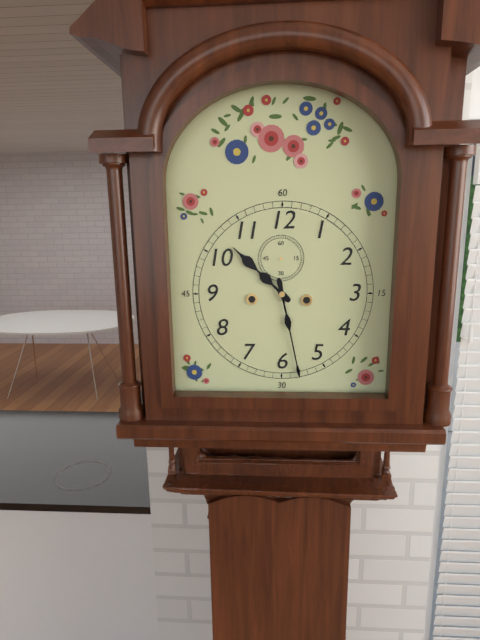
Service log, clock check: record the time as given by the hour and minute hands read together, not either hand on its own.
10:28
